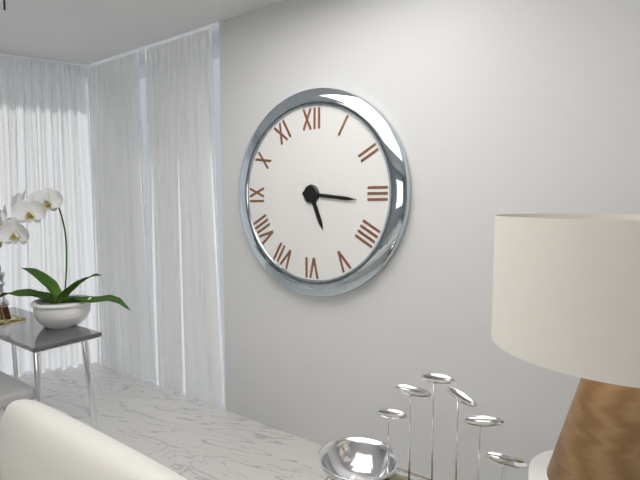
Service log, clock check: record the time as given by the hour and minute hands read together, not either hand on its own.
5:16
